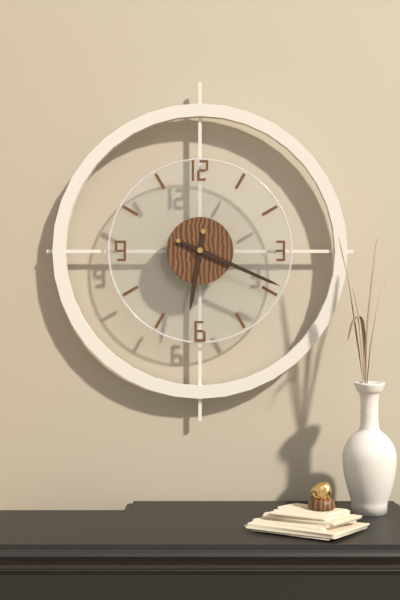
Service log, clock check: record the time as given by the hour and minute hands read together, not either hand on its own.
6:19
